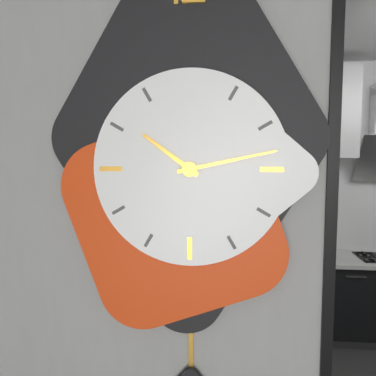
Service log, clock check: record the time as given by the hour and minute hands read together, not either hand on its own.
10:13
